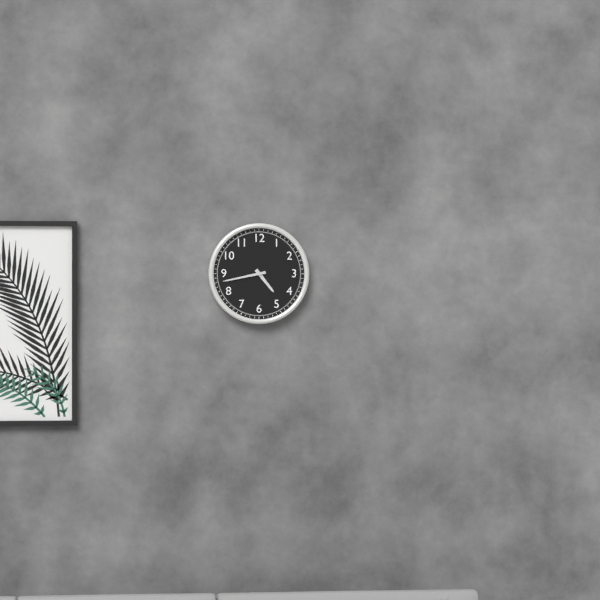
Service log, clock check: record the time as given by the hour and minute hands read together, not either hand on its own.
4:43
